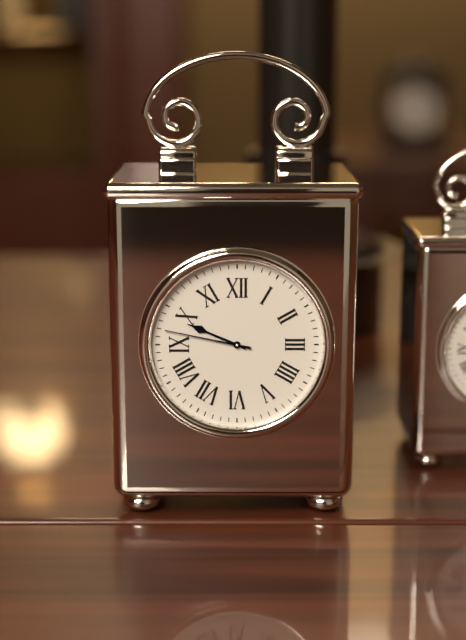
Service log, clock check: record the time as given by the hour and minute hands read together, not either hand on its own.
9:47
